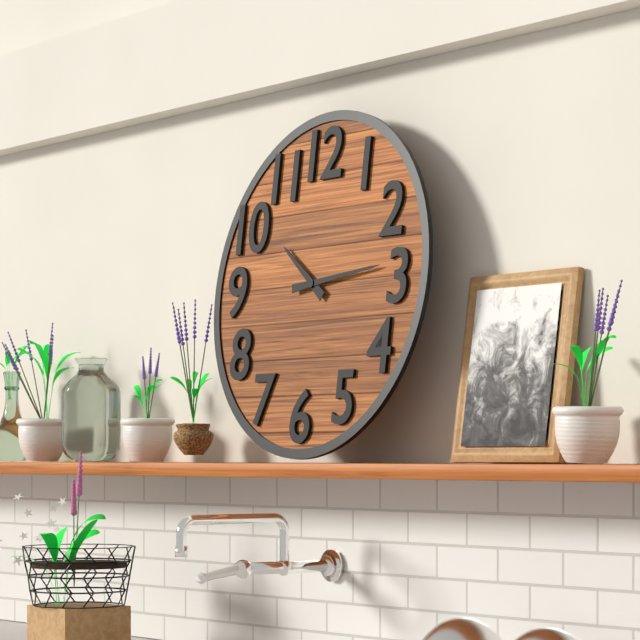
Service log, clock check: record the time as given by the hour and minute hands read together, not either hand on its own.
10:14
